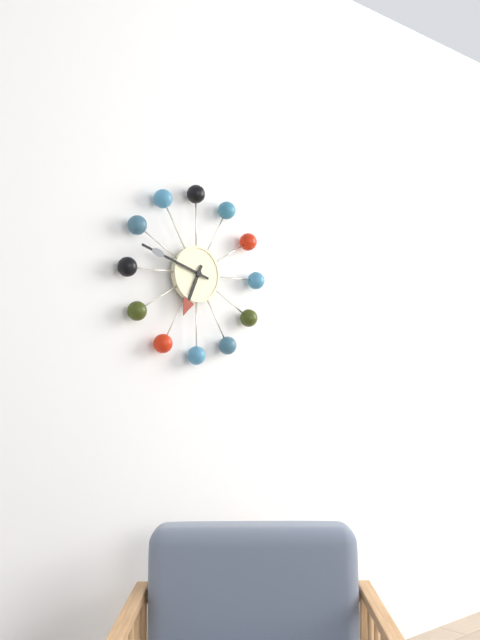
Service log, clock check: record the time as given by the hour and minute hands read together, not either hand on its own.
6:48
